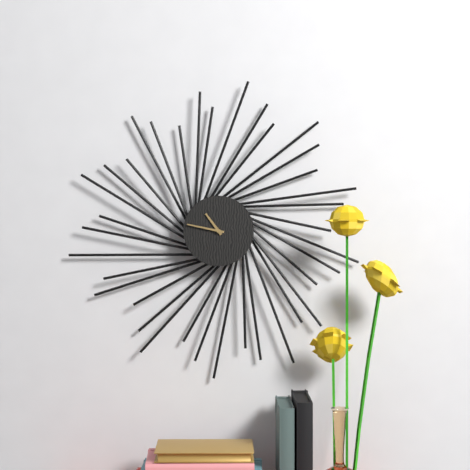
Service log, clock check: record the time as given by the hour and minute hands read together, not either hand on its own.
10:47
